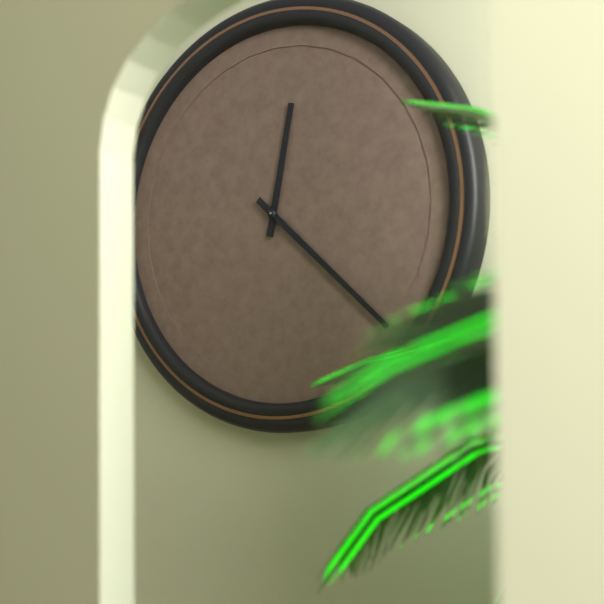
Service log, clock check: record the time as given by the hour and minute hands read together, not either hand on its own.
12:22
